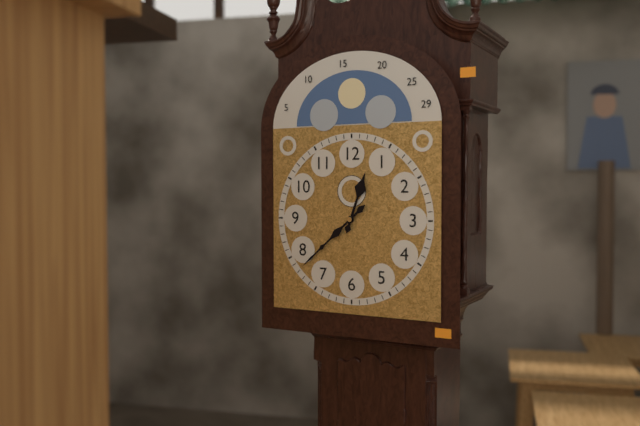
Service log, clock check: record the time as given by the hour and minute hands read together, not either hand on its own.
12:38
